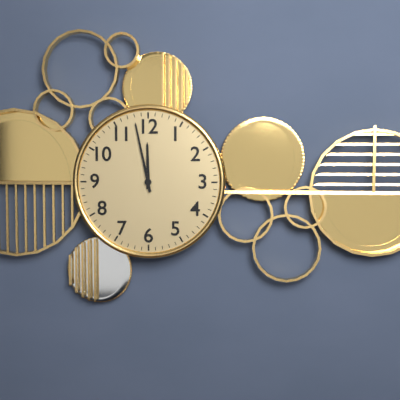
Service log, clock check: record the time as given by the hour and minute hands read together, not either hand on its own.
11:58
